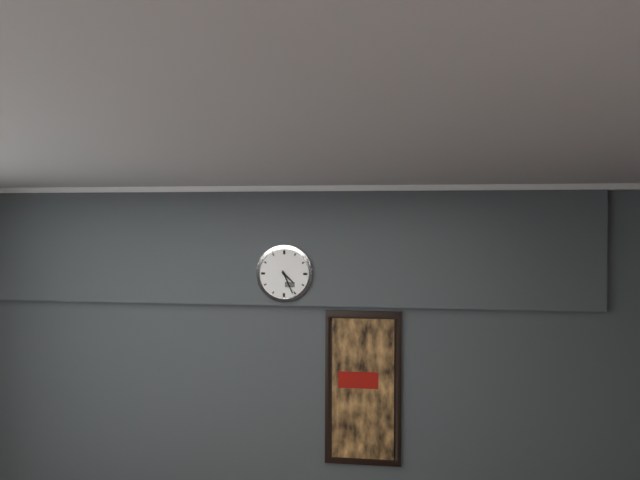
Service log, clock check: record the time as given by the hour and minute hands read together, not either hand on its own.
4:26
